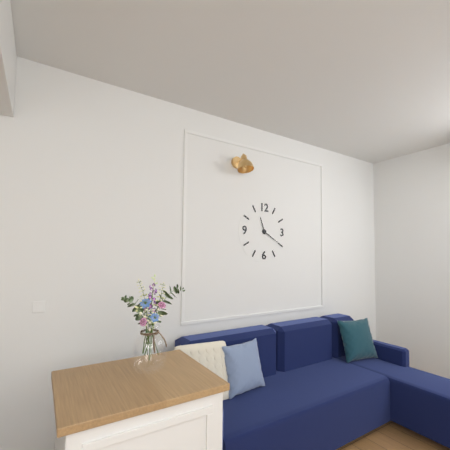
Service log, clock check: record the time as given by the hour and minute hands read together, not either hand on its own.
11:20
